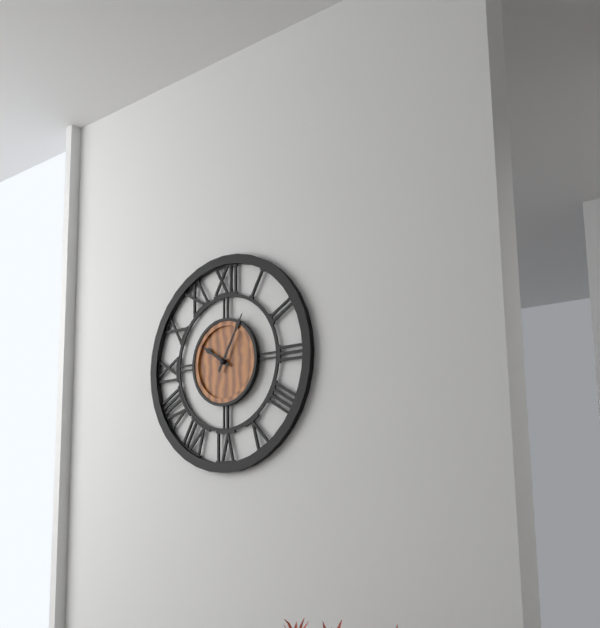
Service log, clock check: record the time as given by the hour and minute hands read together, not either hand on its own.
10:05
